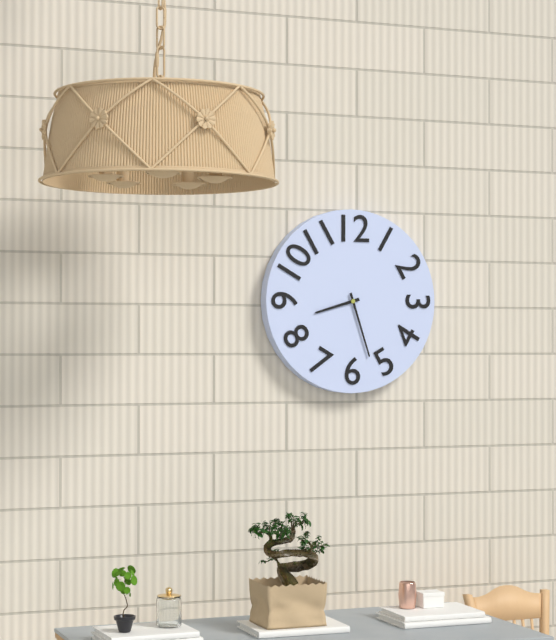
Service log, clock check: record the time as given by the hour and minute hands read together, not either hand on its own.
8:27
